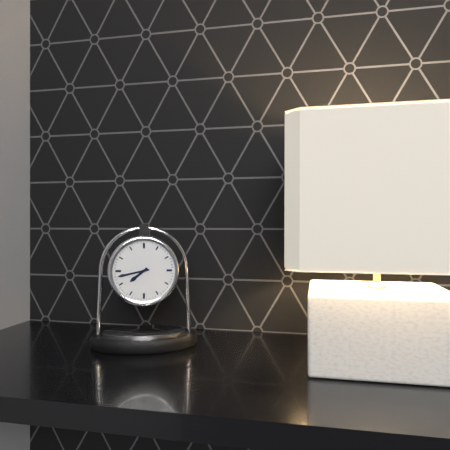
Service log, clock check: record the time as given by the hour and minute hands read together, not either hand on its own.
7:43
